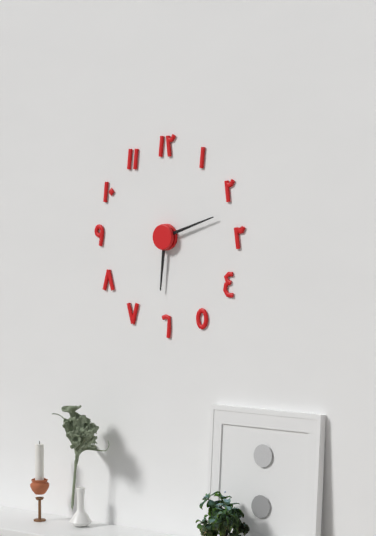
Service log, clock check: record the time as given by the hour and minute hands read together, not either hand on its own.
6:12
